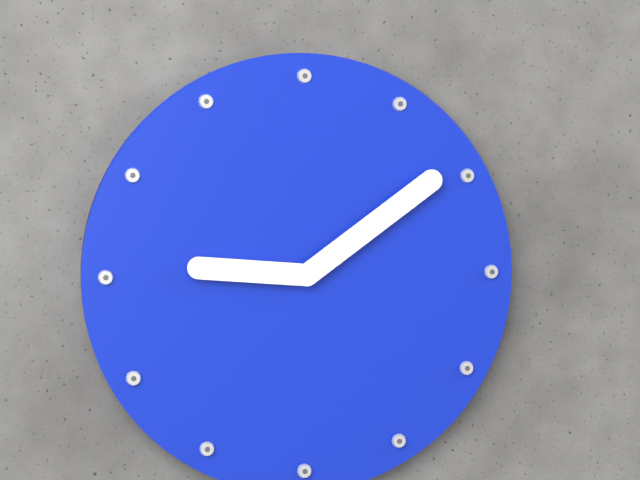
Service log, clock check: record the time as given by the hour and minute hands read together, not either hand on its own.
9:09
